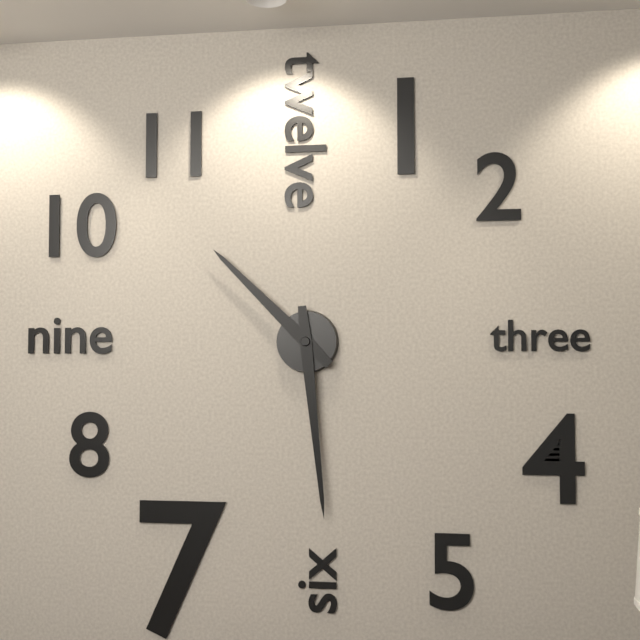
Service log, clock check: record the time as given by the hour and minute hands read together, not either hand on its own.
10:29
